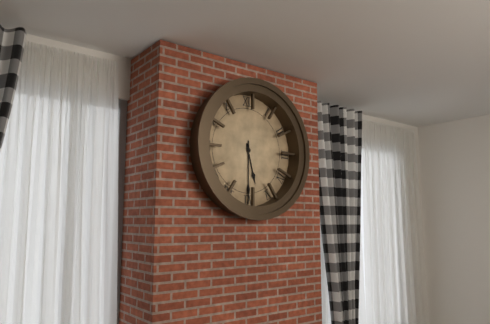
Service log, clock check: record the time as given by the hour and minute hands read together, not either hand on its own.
5:30
